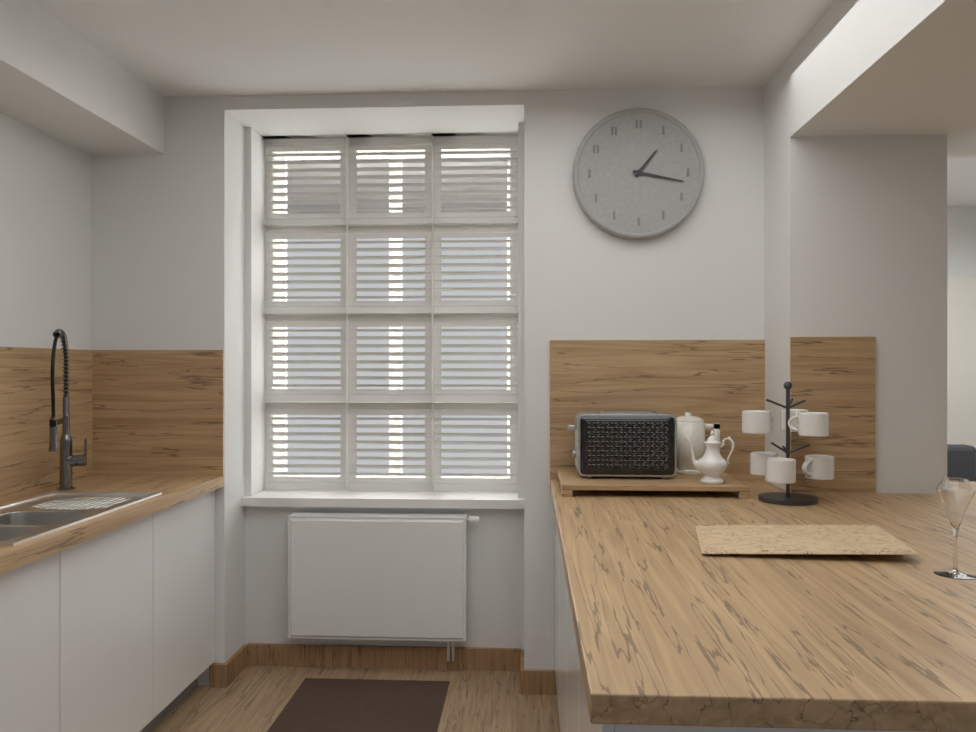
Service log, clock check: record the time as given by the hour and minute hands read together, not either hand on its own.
1:17
